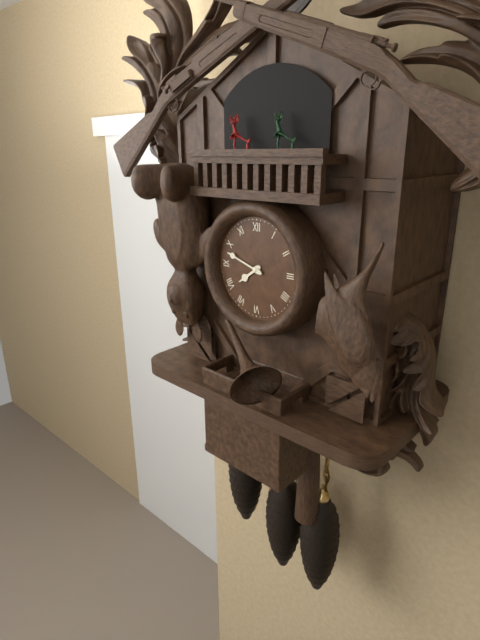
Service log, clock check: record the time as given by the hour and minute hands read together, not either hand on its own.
7:48
